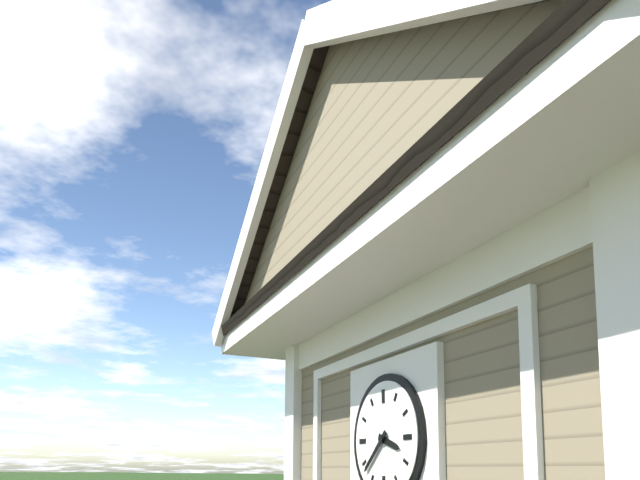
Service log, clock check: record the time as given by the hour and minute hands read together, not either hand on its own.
3:38
